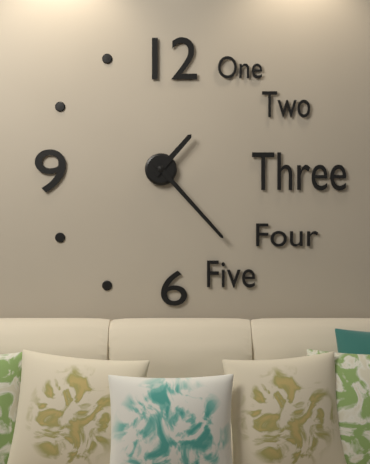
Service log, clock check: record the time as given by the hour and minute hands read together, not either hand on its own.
1:23
